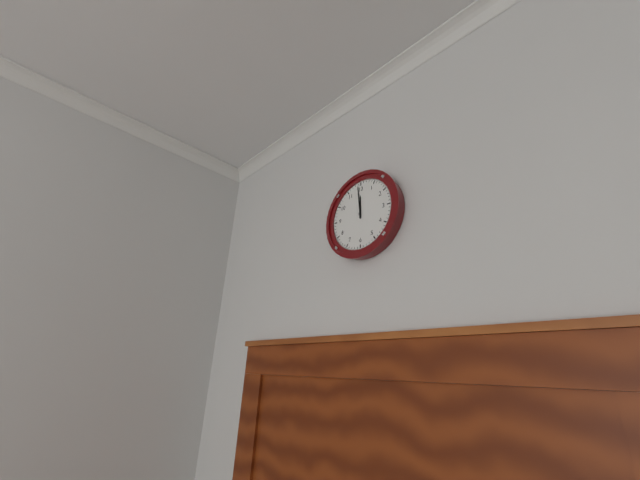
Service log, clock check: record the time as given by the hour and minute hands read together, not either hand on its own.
11:59
